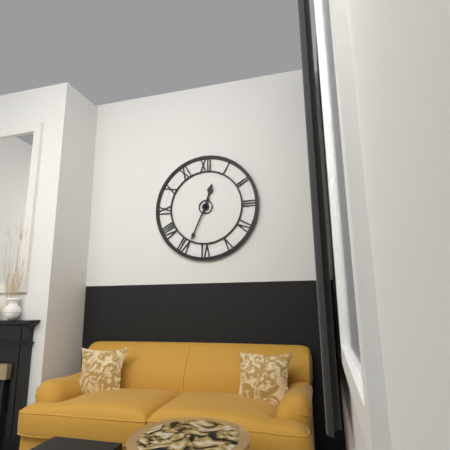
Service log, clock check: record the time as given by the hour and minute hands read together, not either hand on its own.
12:34
